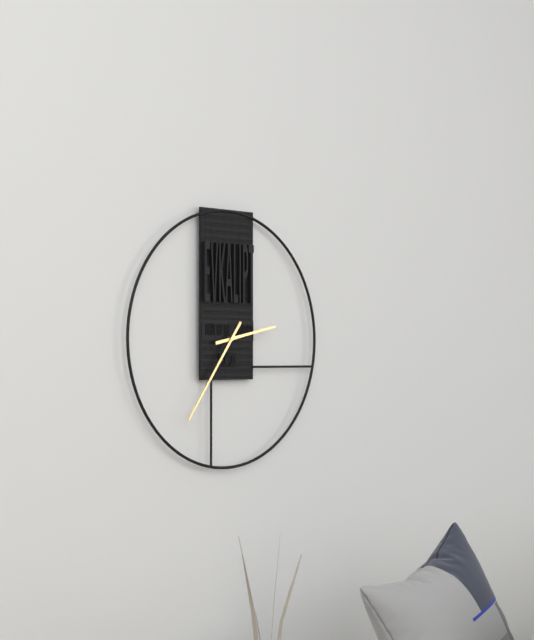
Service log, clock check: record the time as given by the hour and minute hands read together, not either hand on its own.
2:36
